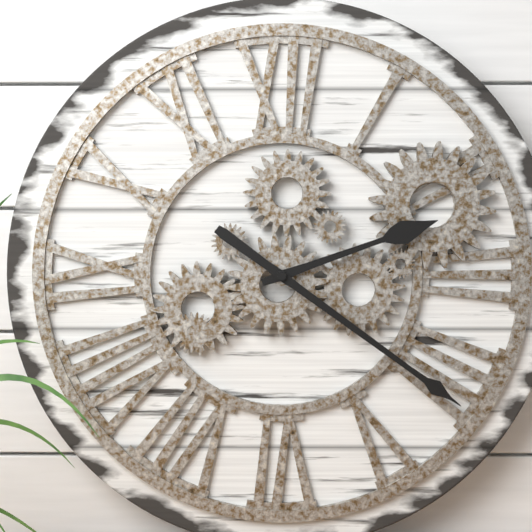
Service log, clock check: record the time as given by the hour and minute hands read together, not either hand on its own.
2:21
